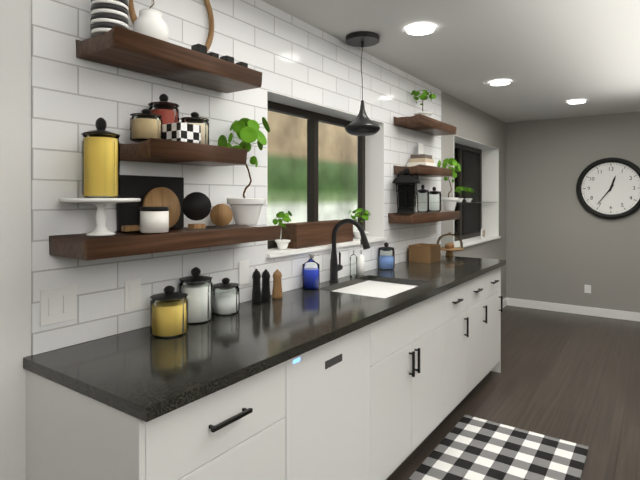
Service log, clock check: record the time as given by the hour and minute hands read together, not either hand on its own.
12:36
